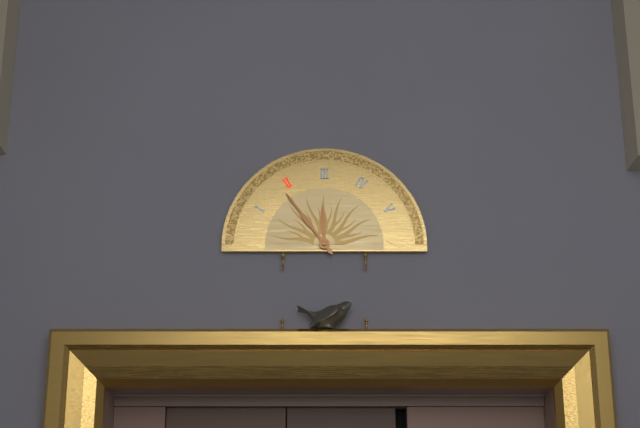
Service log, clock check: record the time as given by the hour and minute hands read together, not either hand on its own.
11:54
